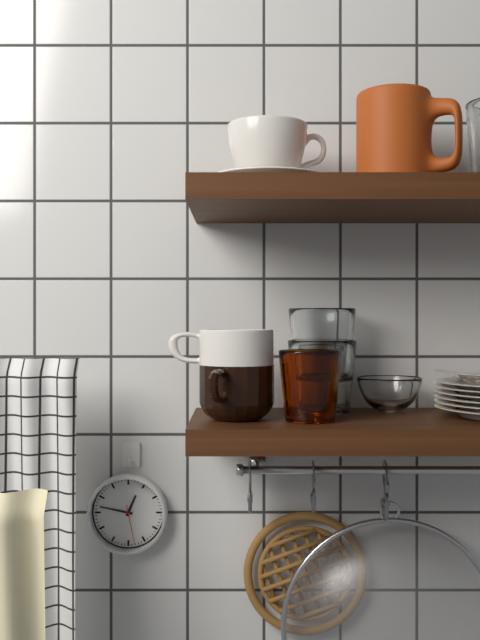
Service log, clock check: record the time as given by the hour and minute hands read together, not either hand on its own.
12:47
